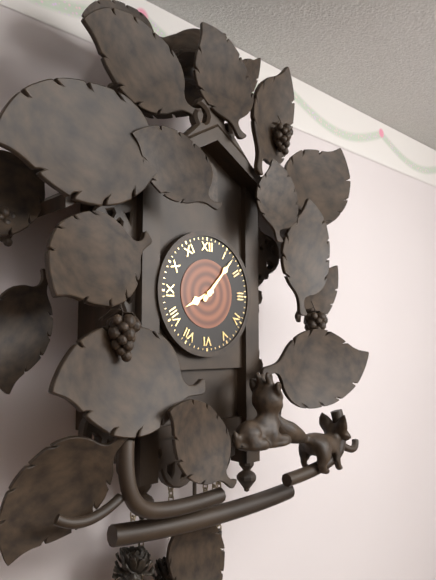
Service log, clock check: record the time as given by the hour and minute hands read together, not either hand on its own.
8:07
